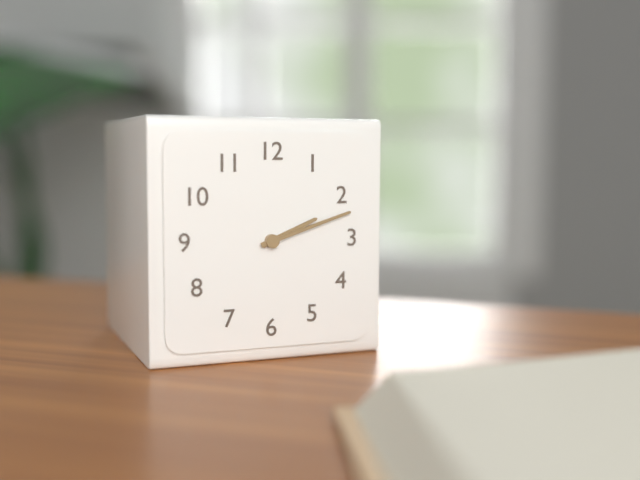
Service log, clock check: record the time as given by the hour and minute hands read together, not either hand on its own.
2:12
